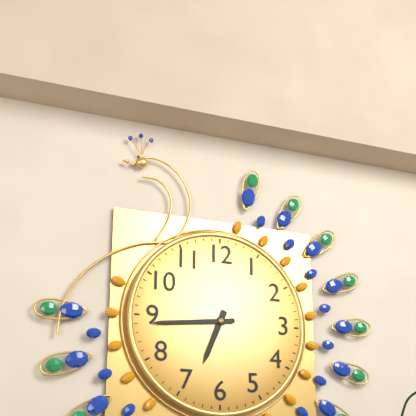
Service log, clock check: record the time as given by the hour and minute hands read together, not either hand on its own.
6:44
